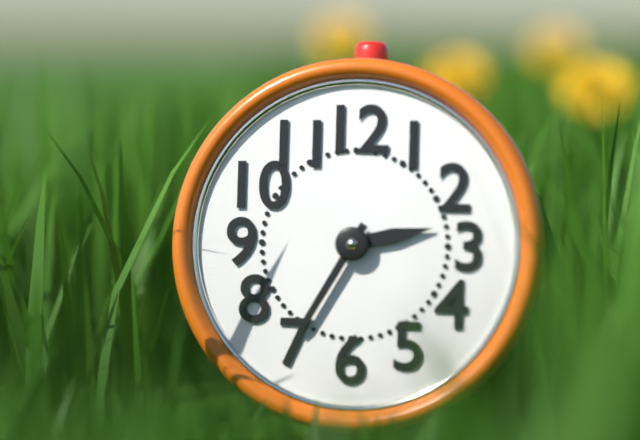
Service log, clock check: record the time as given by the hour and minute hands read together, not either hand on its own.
2:35
